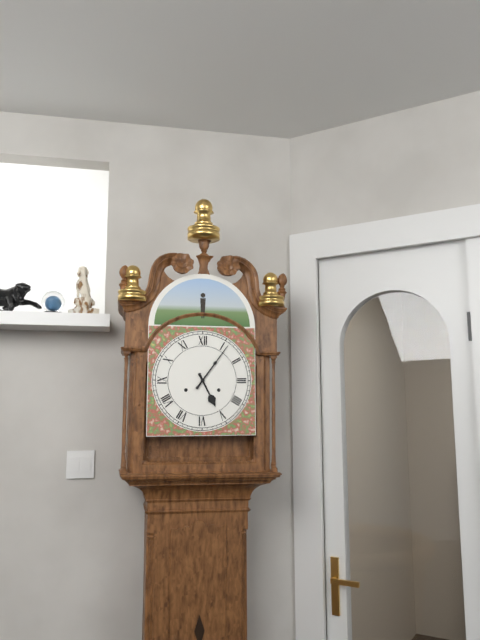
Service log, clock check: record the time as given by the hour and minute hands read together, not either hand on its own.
5:06
